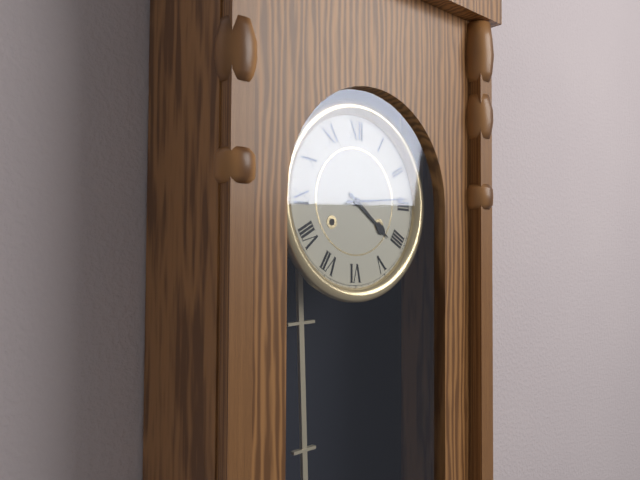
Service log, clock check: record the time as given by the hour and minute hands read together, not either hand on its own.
4:14
